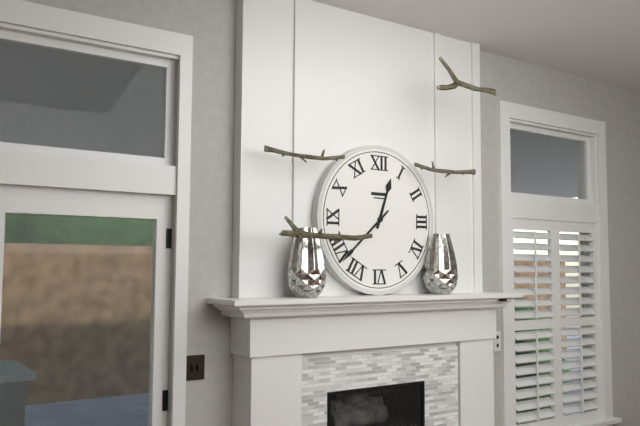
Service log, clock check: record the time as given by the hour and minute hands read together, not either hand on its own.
12:38
